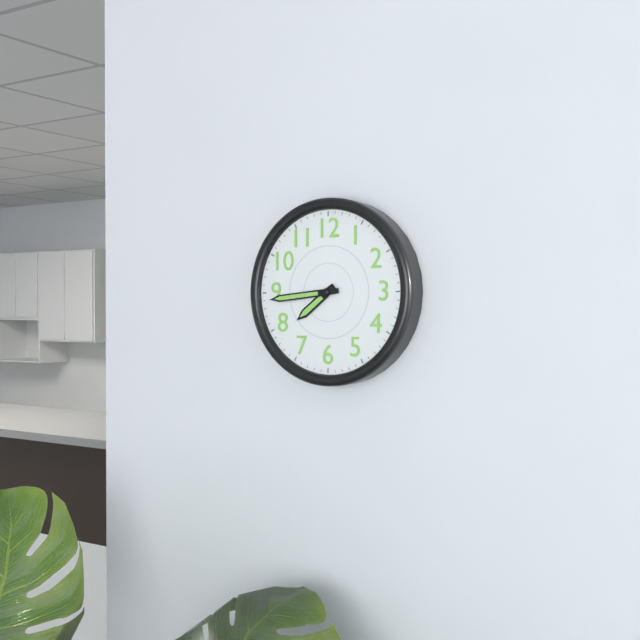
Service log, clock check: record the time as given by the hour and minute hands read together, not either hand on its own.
7:44
